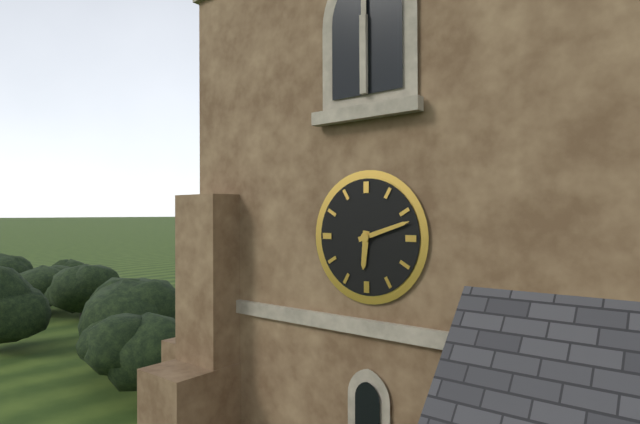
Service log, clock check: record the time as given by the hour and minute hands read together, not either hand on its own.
6:12
